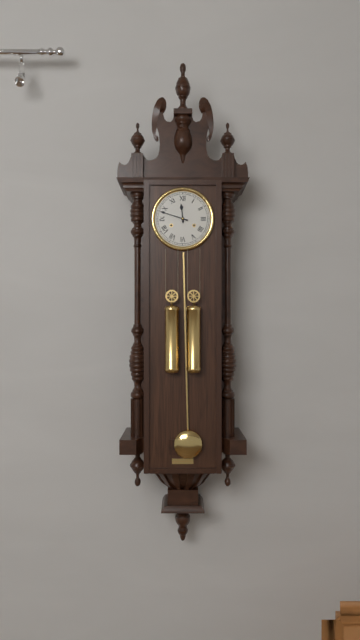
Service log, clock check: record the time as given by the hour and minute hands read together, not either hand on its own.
11:48
